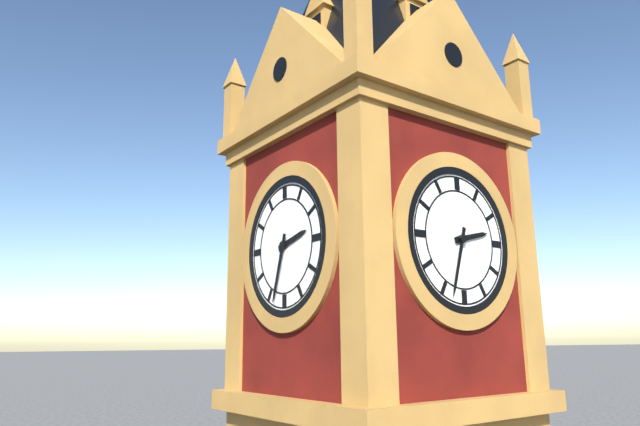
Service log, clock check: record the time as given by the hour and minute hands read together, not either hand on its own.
2:33
